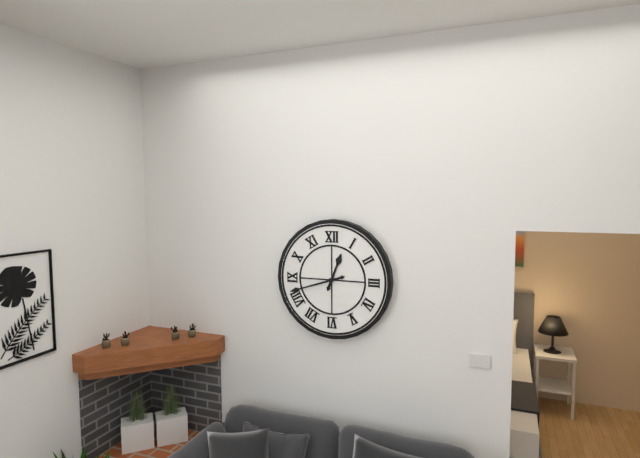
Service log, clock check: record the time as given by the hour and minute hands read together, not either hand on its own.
12:42
